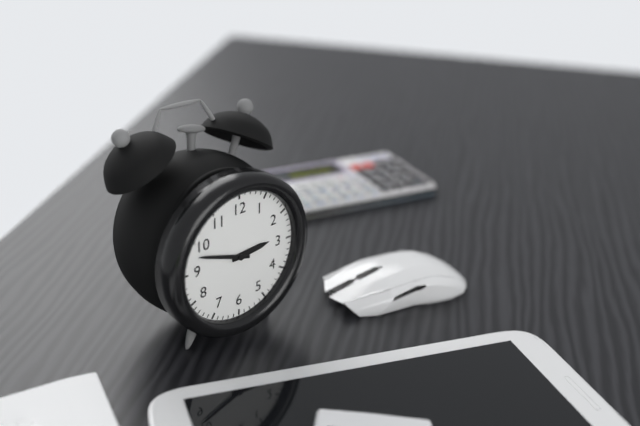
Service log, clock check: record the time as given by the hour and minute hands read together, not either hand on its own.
2:48
